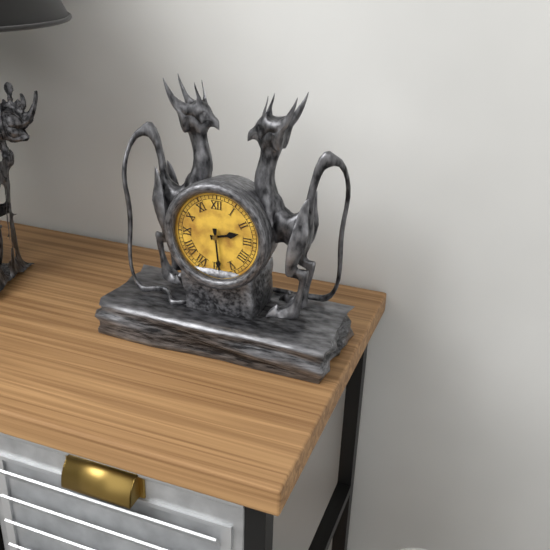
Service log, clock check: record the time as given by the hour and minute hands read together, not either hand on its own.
2:29
